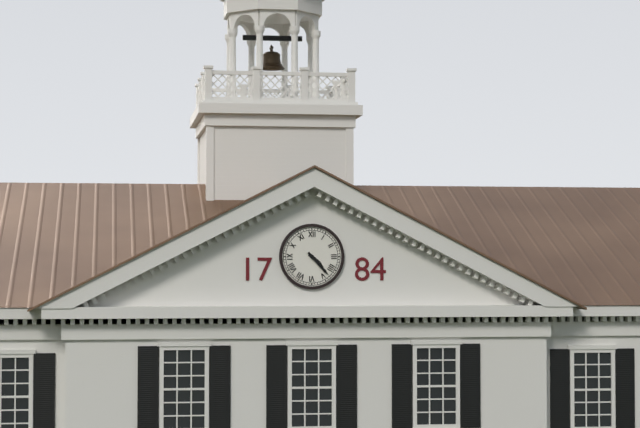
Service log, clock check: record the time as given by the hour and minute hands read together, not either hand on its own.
4:23
